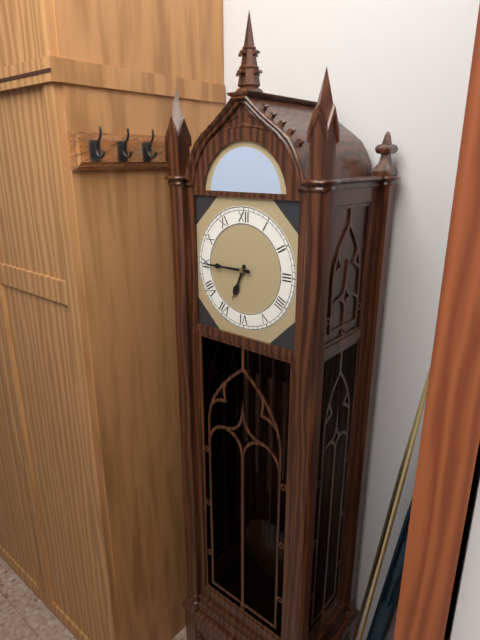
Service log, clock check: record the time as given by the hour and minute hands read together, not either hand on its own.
6:45
